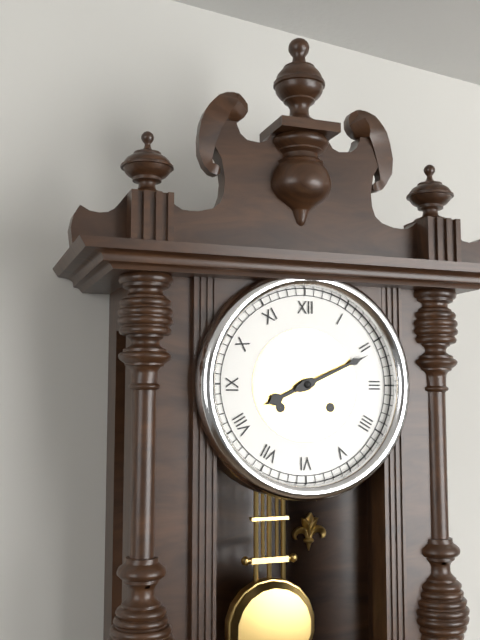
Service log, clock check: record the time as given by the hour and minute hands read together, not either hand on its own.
8:11
